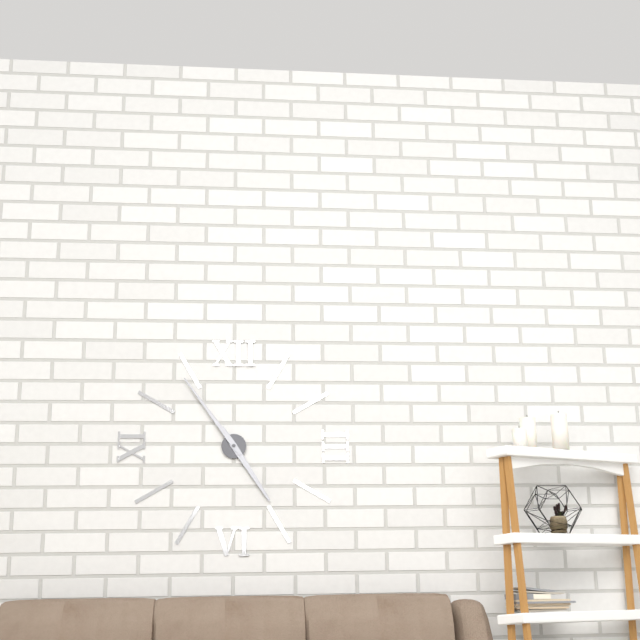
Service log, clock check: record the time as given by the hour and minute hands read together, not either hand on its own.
4:54
